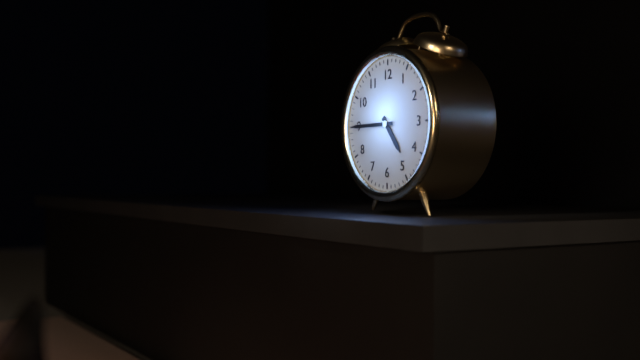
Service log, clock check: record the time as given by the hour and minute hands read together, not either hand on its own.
4:45
